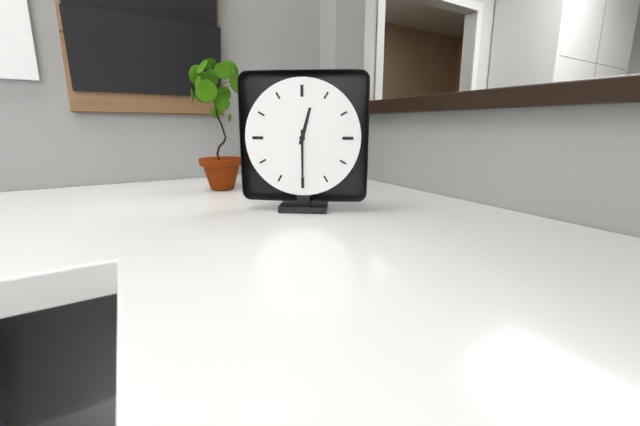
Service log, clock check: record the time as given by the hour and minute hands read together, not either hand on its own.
12:30
